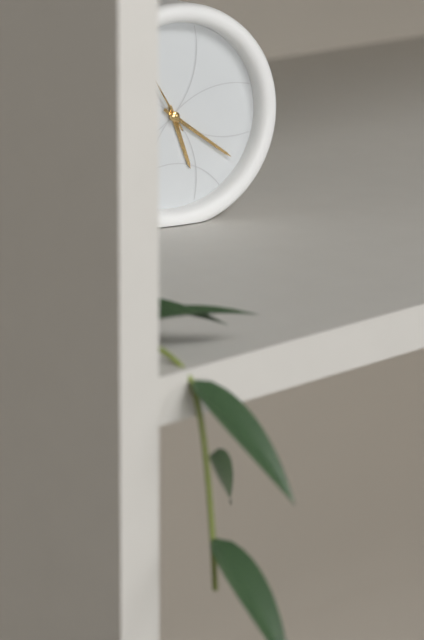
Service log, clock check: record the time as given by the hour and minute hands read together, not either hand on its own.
5:21
